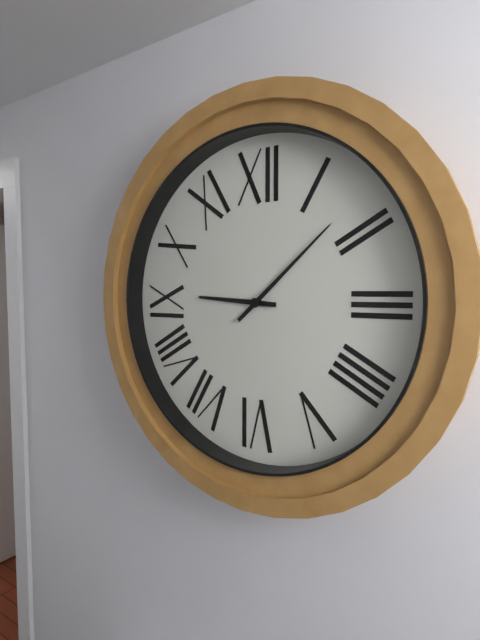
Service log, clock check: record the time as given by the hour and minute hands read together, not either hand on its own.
9:08
